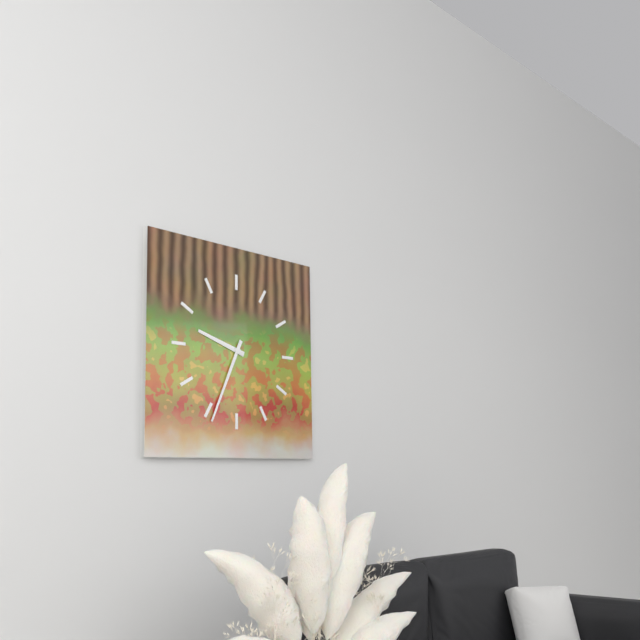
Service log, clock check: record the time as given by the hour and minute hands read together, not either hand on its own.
9:34
